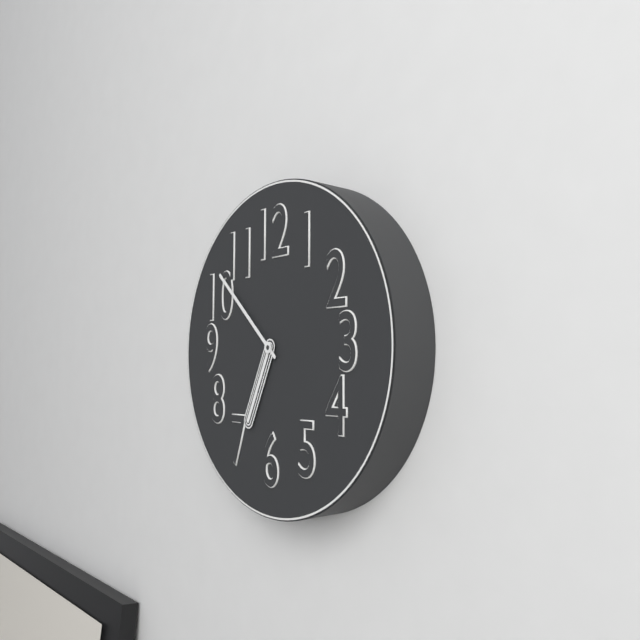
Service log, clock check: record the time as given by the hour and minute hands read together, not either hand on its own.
6:52
